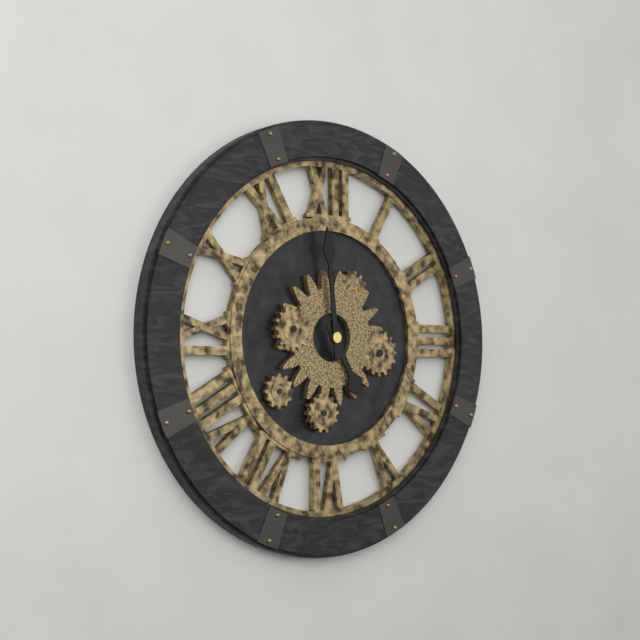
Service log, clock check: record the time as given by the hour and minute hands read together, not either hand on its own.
4:59
